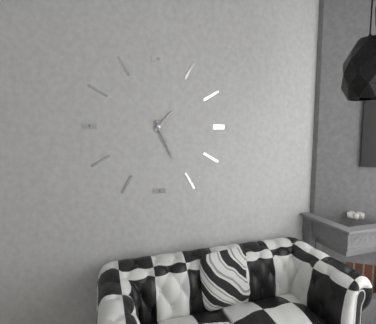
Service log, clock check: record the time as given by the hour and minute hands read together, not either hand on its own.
1:26
